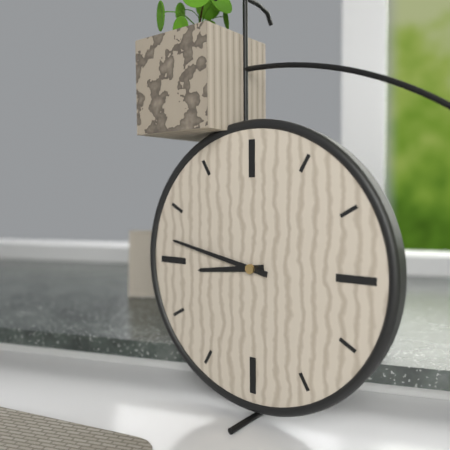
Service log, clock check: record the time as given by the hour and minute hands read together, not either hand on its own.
8:47
